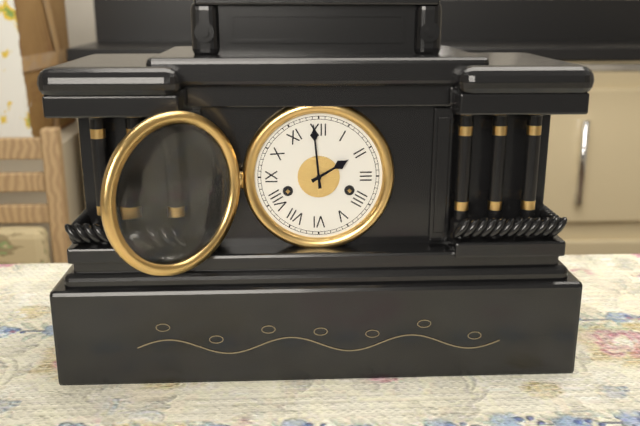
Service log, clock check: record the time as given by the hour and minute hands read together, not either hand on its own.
1:59
